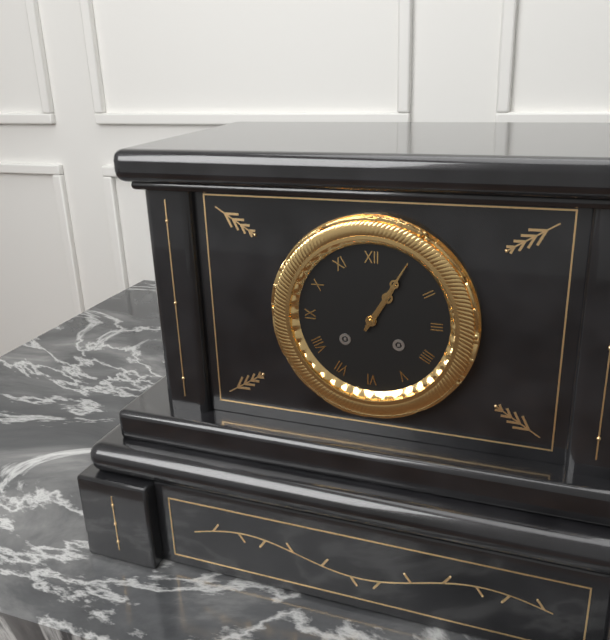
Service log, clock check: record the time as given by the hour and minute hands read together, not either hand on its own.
1:05
